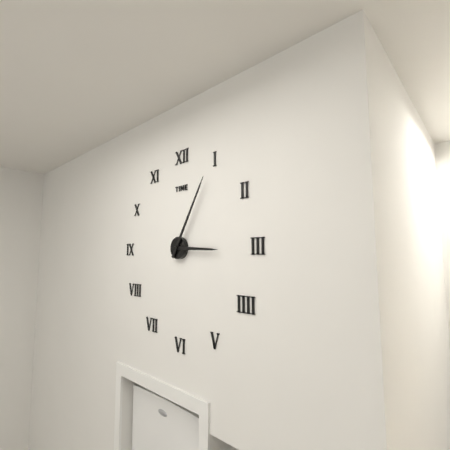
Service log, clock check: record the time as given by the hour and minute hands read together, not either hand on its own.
3:05
